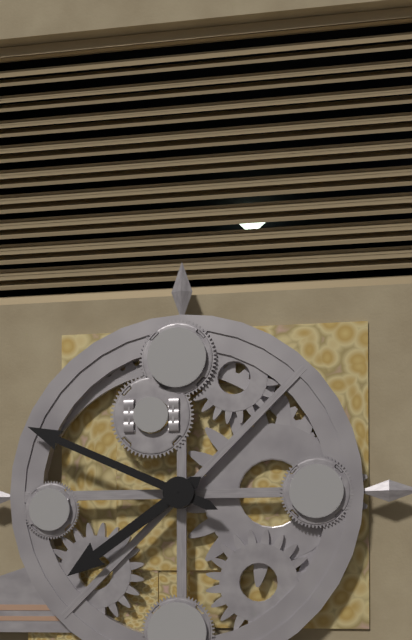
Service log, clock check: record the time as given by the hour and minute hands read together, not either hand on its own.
7:49
